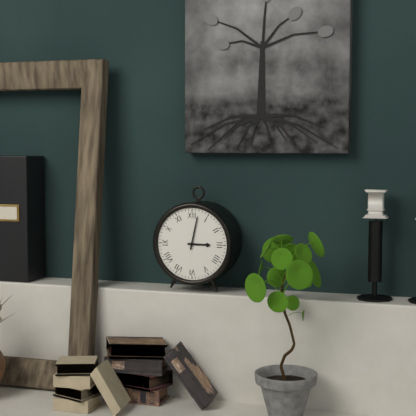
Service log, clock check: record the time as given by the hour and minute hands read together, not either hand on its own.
3:02
